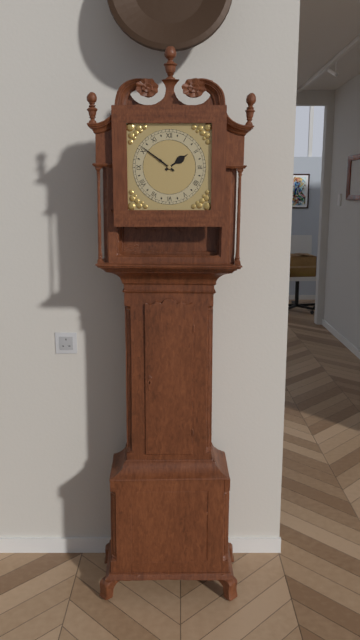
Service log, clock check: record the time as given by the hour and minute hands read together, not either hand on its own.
1:51
